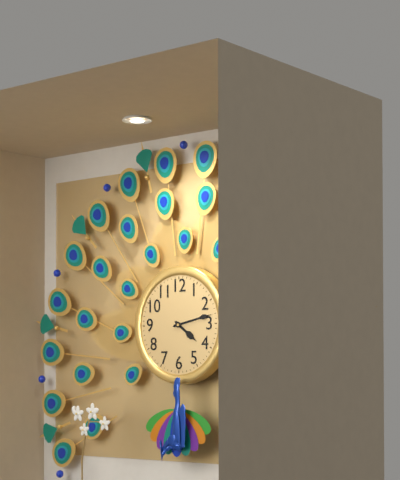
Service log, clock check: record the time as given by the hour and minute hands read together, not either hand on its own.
4:13
